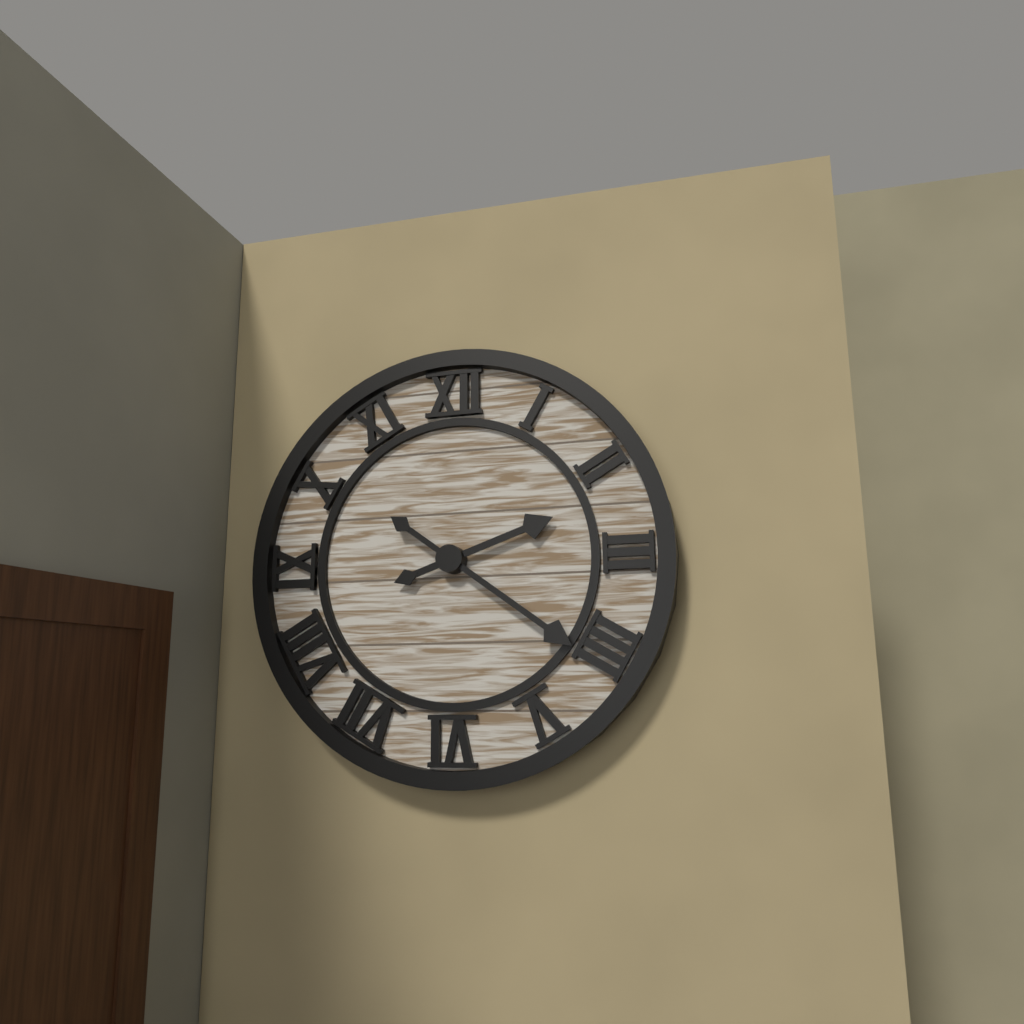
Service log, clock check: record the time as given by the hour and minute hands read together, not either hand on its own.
2:21
